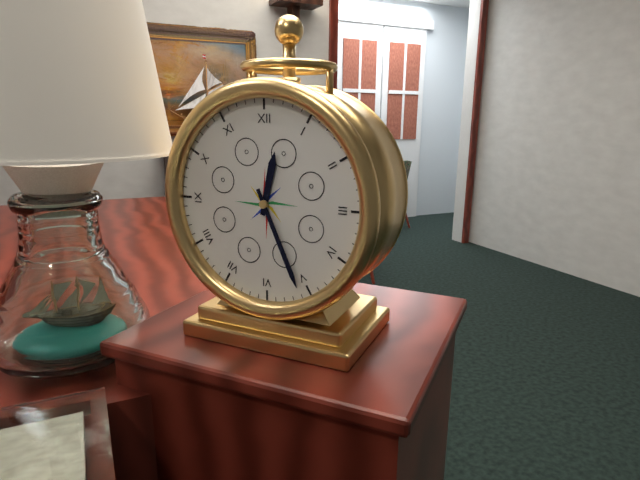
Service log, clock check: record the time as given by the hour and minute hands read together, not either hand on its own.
12:26
